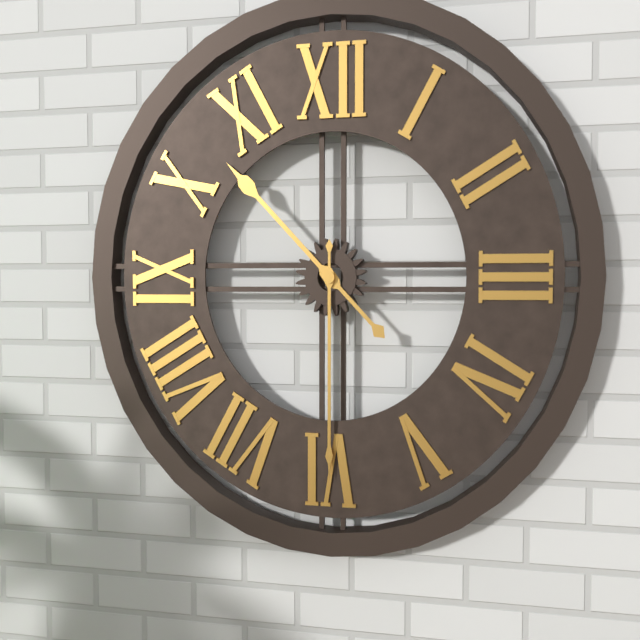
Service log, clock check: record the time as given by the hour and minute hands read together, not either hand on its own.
10:30
